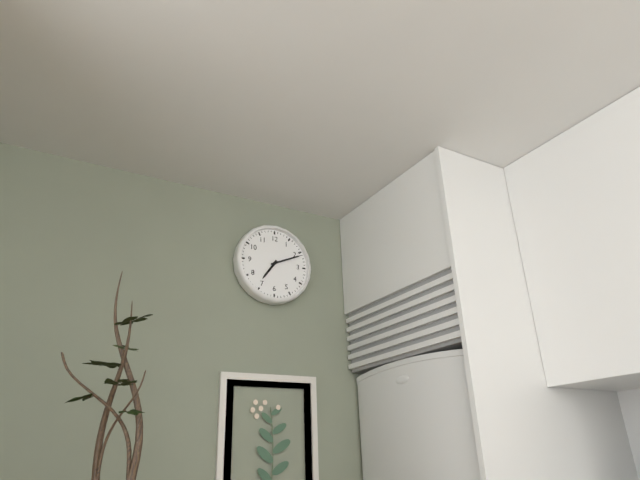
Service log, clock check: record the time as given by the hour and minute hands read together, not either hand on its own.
7:11
